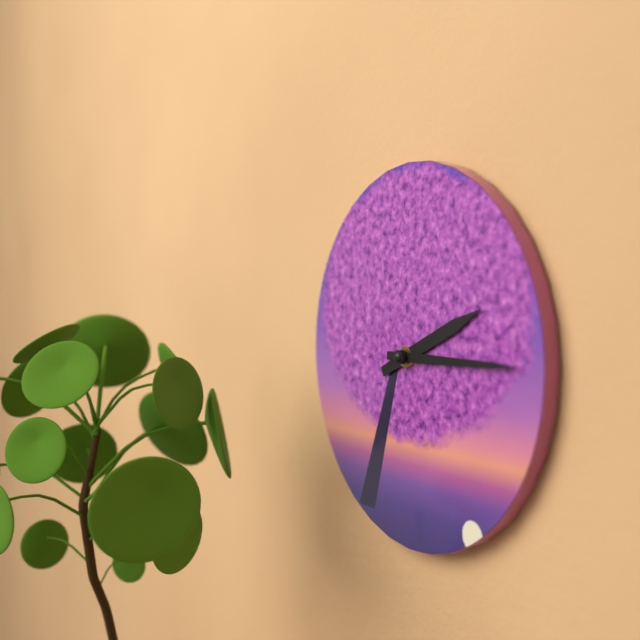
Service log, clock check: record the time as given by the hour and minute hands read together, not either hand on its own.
2:15
